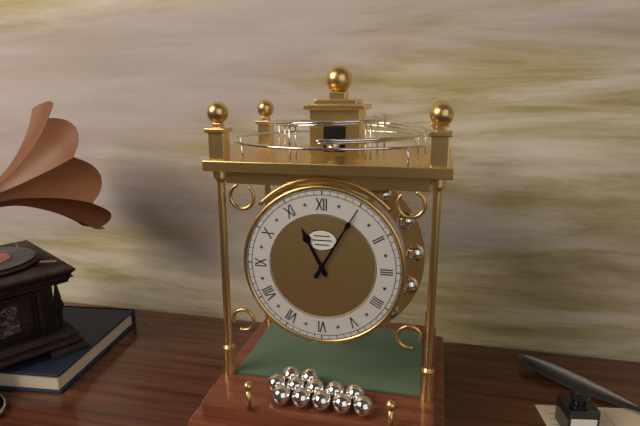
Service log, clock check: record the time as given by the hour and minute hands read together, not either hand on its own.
11:05
